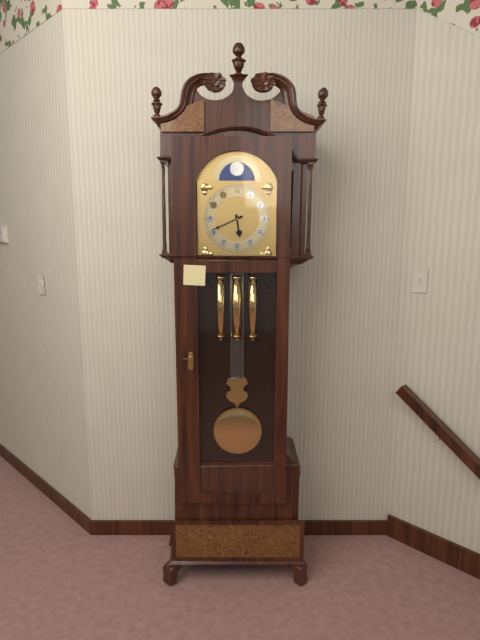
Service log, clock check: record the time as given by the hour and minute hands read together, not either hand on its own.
5:41
